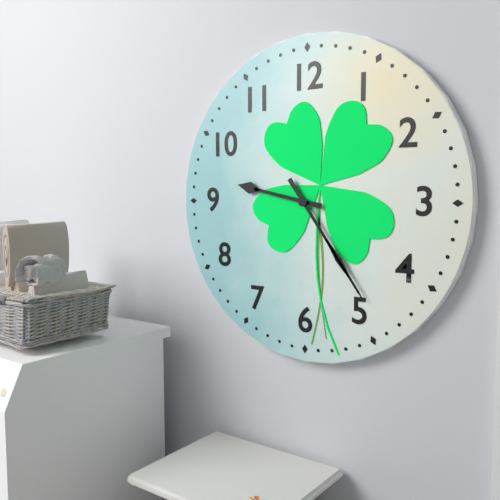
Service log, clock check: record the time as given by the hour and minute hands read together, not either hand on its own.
9:24
